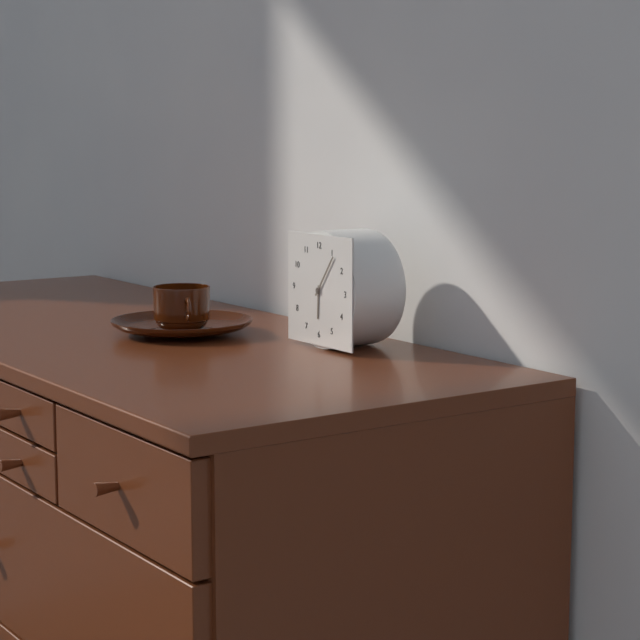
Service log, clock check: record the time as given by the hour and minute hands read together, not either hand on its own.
6:06
